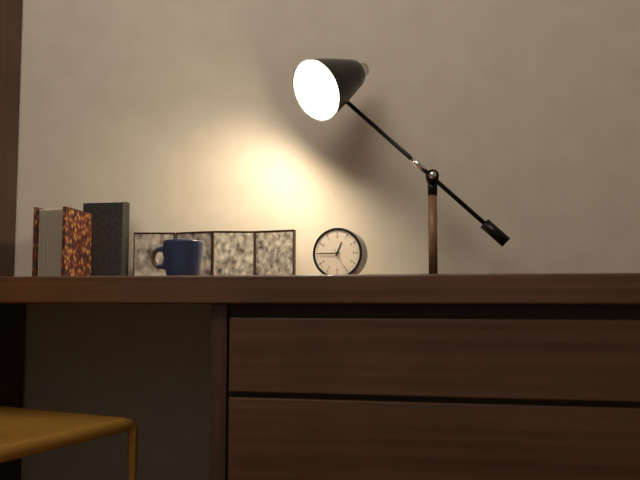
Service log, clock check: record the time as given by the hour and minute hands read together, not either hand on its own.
12:45
